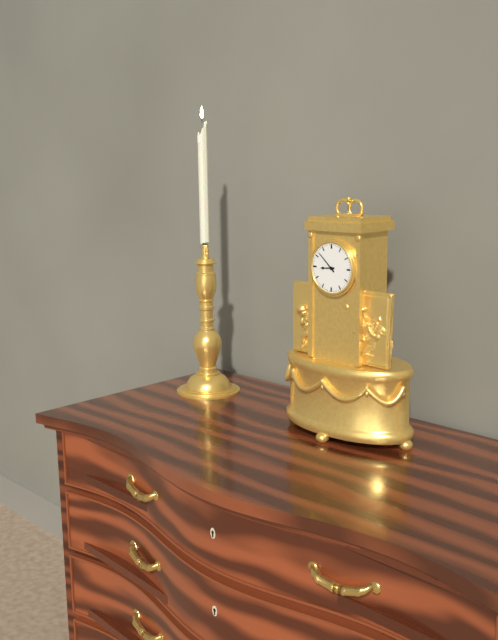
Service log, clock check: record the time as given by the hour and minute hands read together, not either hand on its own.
8:52
